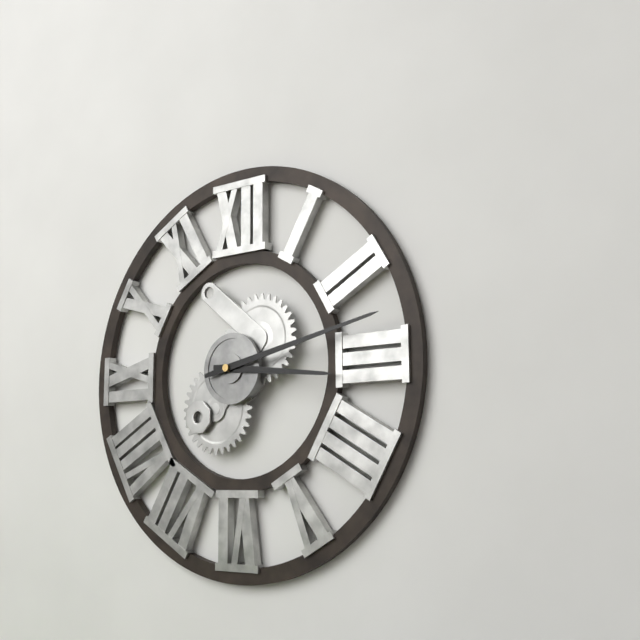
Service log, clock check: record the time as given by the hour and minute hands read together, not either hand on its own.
3:13
